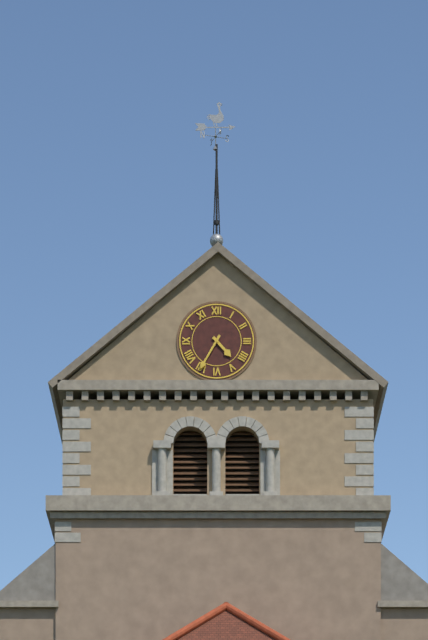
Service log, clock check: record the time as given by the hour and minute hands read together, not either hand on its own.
4:35
